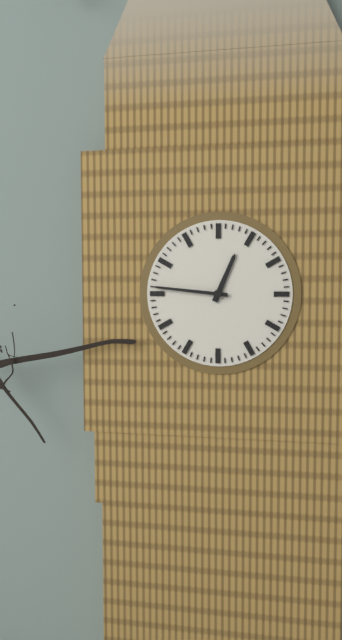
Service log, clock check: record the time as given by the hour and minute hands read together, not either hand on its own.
12:46
